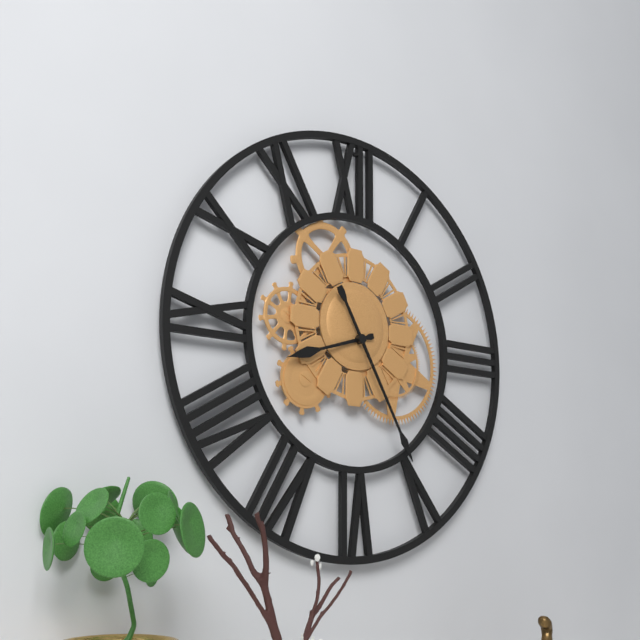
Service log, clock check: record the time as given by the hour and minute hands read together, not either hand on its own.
8:25
